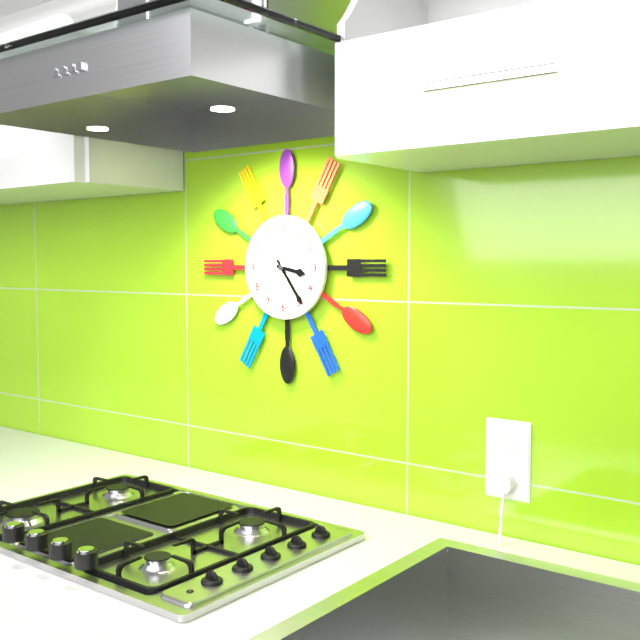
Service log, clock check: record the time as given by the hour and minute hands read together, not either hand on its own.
3:24
